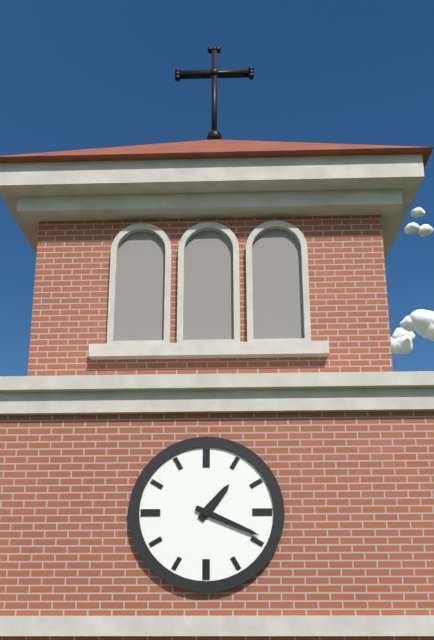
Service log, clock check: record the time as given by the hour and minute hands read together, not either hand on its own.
1:19
